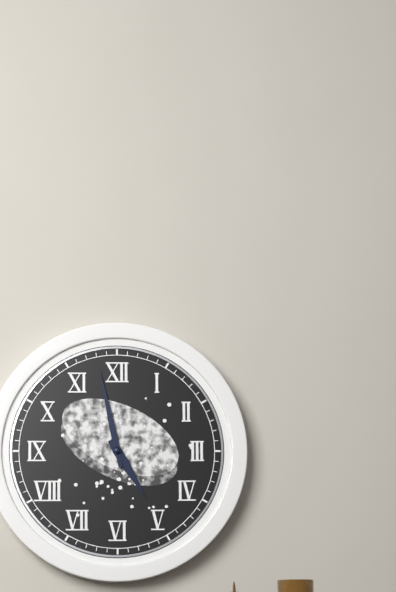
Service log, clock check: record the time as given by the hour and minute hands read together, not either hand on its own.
4:58
